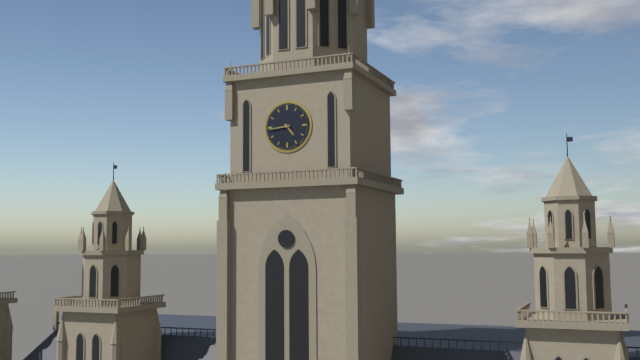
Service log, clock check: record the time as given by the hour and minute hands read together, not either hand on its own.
4:44
